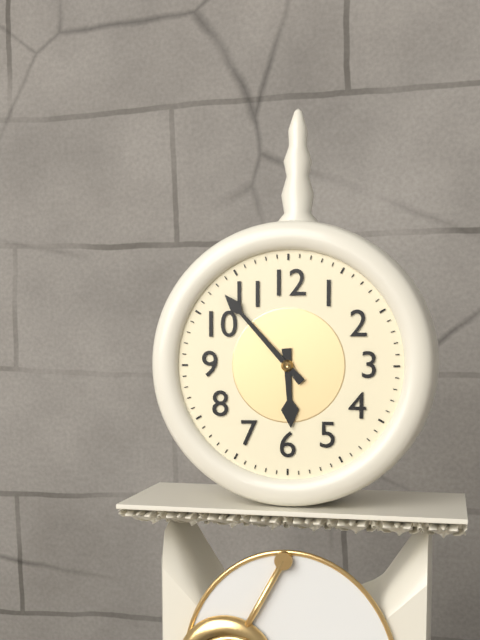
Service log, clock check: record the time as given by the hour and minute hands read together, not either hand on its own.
5:53
